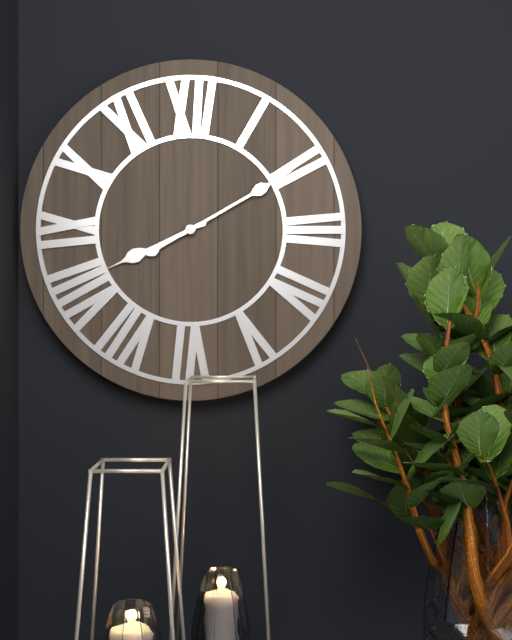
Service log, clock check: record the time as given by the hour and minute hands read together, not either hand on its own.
8:10
